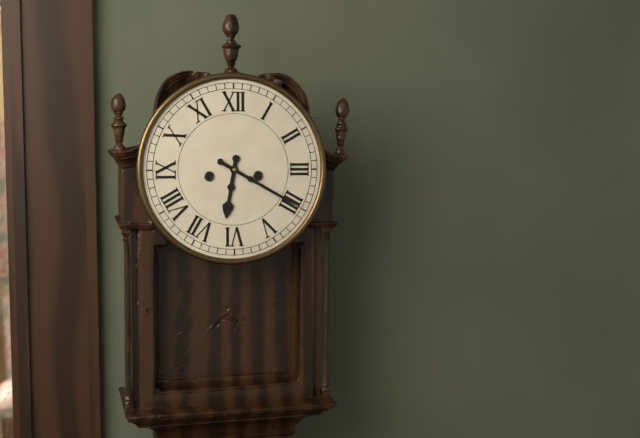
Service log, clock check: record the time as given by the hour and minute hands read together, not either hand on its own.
6:20
